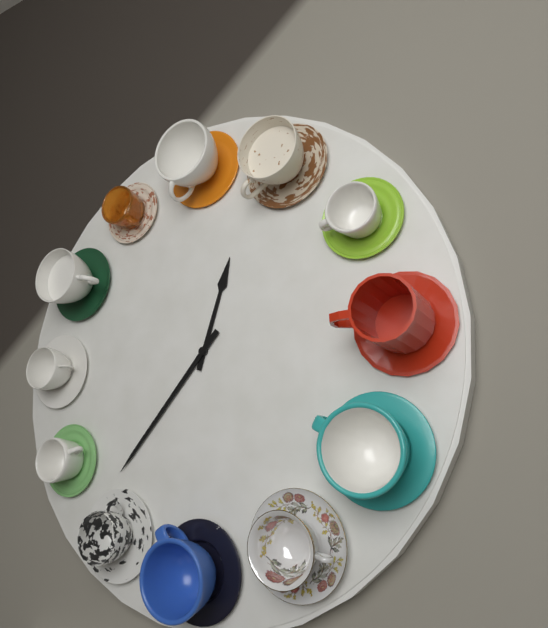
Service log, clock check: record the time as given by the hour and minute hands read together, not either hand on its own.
12:37
